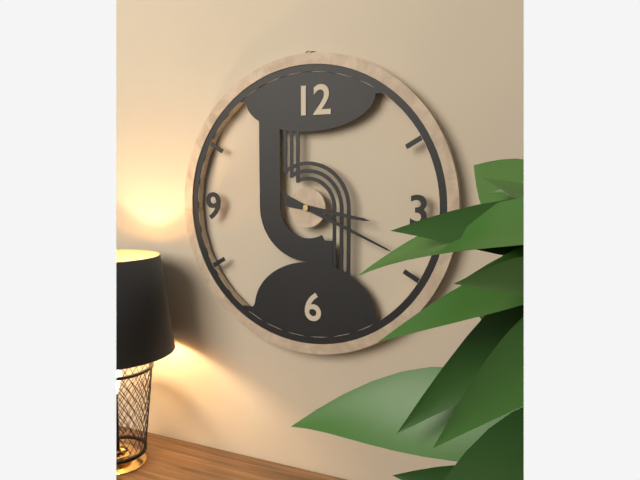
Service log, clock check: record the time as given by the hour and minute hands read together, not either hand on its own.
3:19
